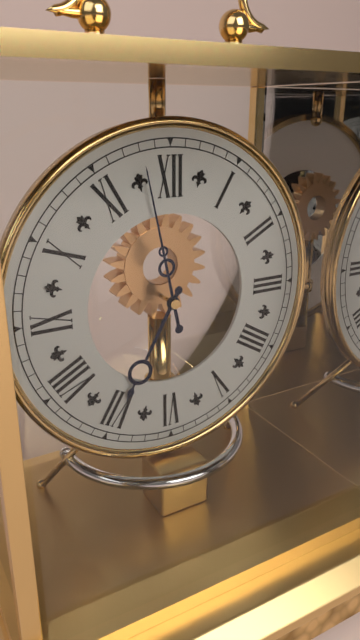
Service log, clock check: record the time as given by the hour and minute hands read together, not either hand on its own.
6:58
